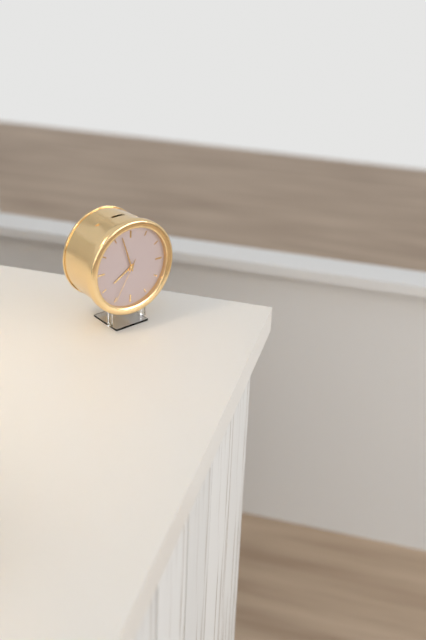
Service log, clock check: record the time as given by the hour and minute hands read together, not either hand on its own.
7:57
